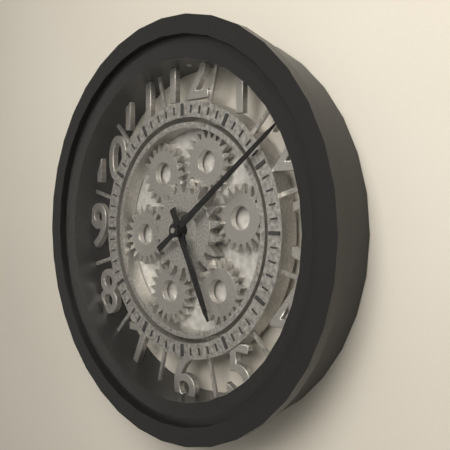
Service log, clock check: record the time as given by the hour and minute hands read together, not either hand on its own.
5:09
